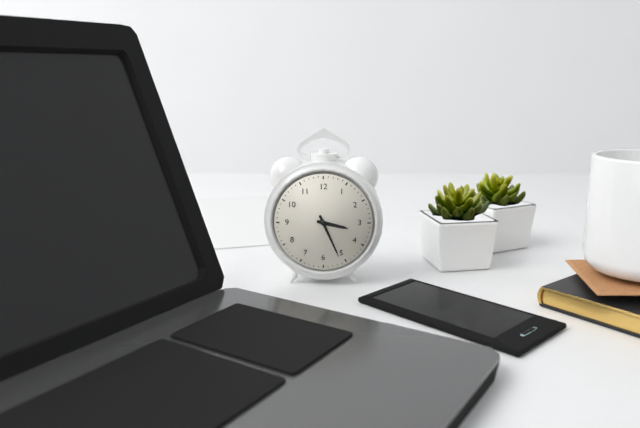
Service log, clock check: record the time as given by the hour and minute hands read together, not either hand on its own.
3:26
